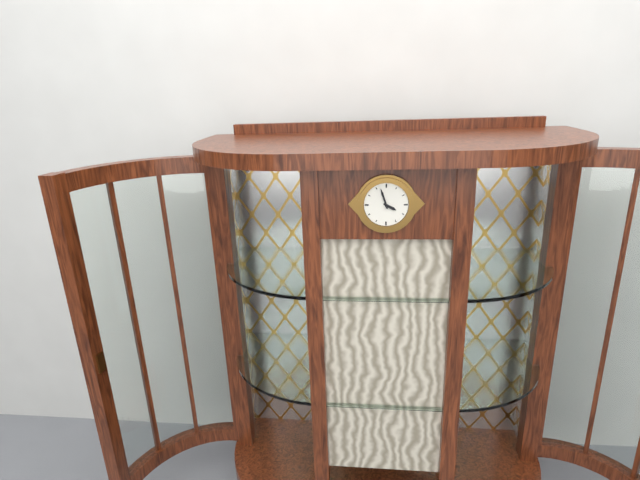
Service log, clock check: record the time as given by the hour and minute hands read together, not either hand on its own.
3:57
